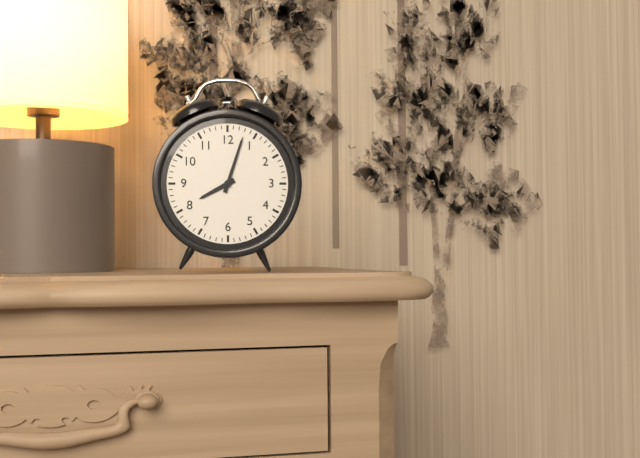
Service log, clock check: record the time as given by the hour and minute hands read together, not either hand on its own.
8:03
